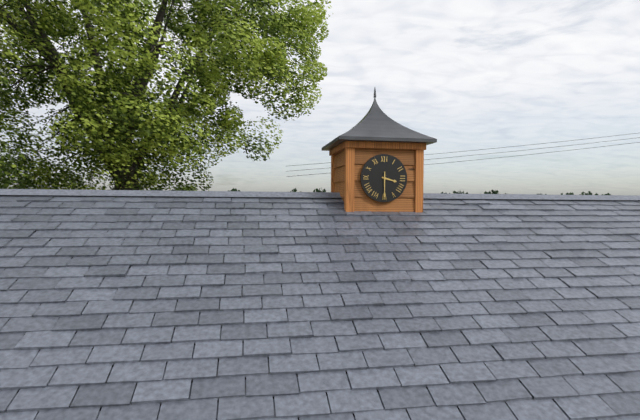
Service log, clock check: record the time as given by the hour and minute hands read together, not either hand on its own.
3:30
